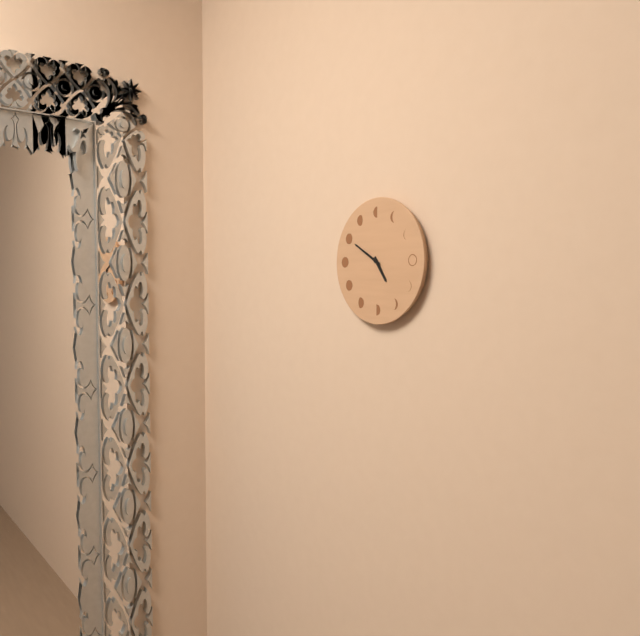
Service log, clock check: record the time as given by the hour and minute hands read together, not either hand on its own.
4:50
